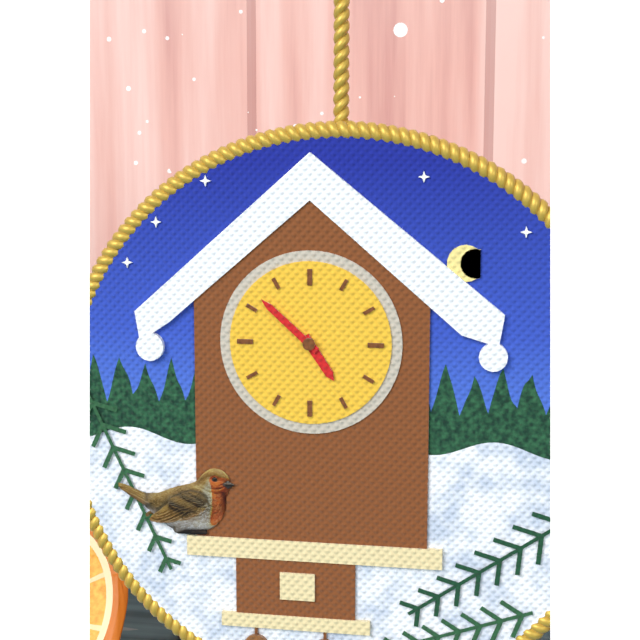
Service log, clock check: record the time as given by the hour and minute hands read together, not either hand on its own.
4:52
